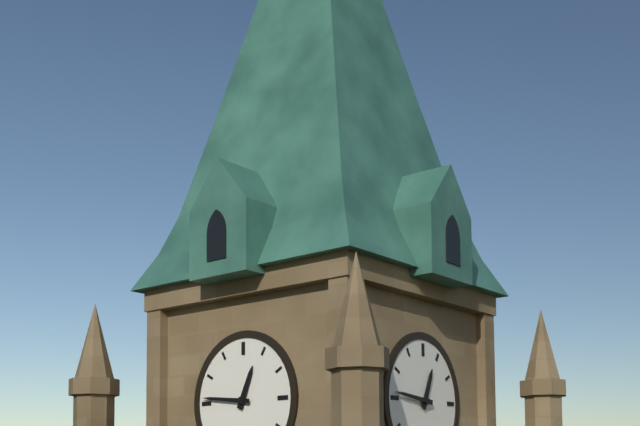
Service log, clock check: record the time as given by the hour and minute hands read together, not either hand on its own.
12:46
